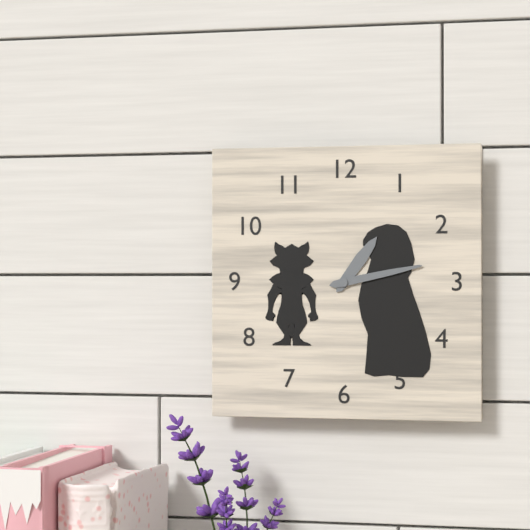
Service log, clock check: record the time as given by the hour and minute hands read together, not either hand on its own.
1:13
